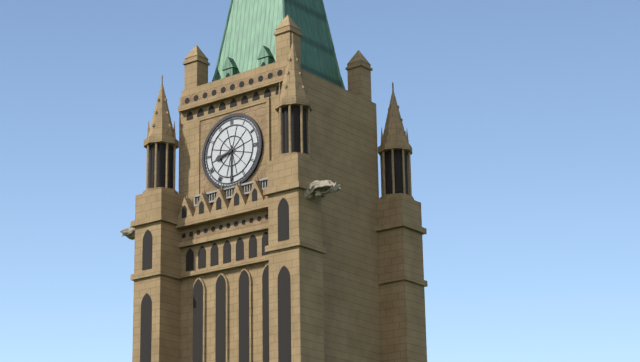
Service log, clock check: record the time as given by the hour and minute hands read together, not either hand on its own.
8:30
